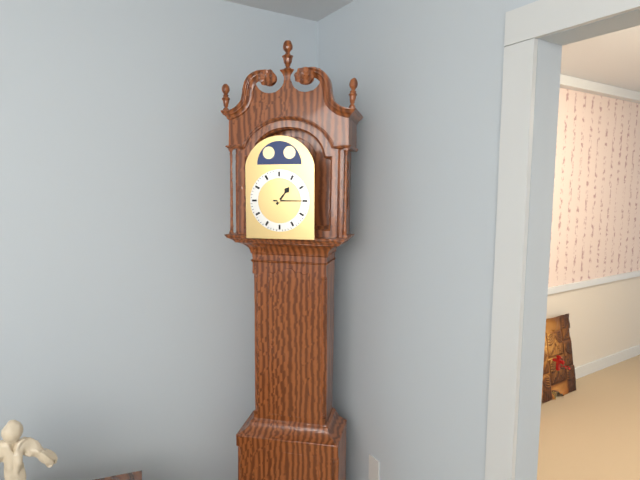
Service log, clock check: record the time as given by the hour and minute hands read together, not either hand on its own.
1:15
